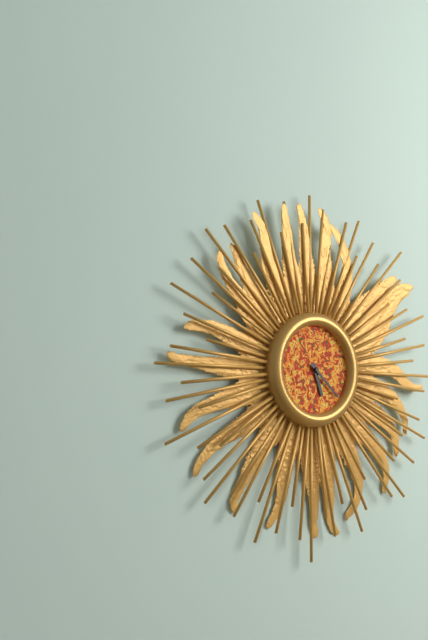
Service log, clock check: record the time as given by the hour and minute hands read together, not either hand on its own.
5:22
